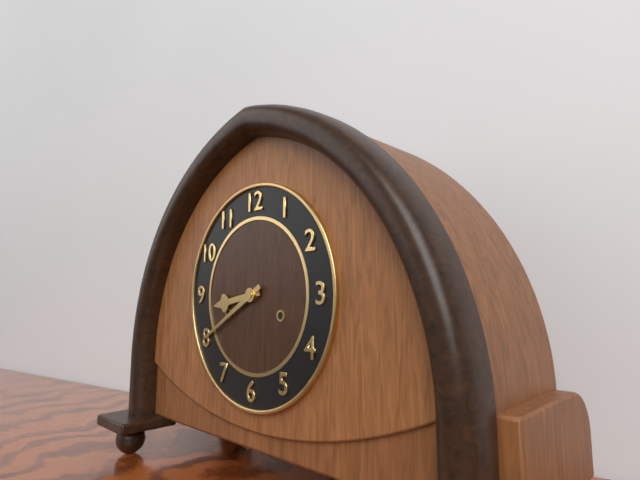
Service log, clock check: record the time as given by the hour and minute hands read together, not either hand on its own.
8:40
